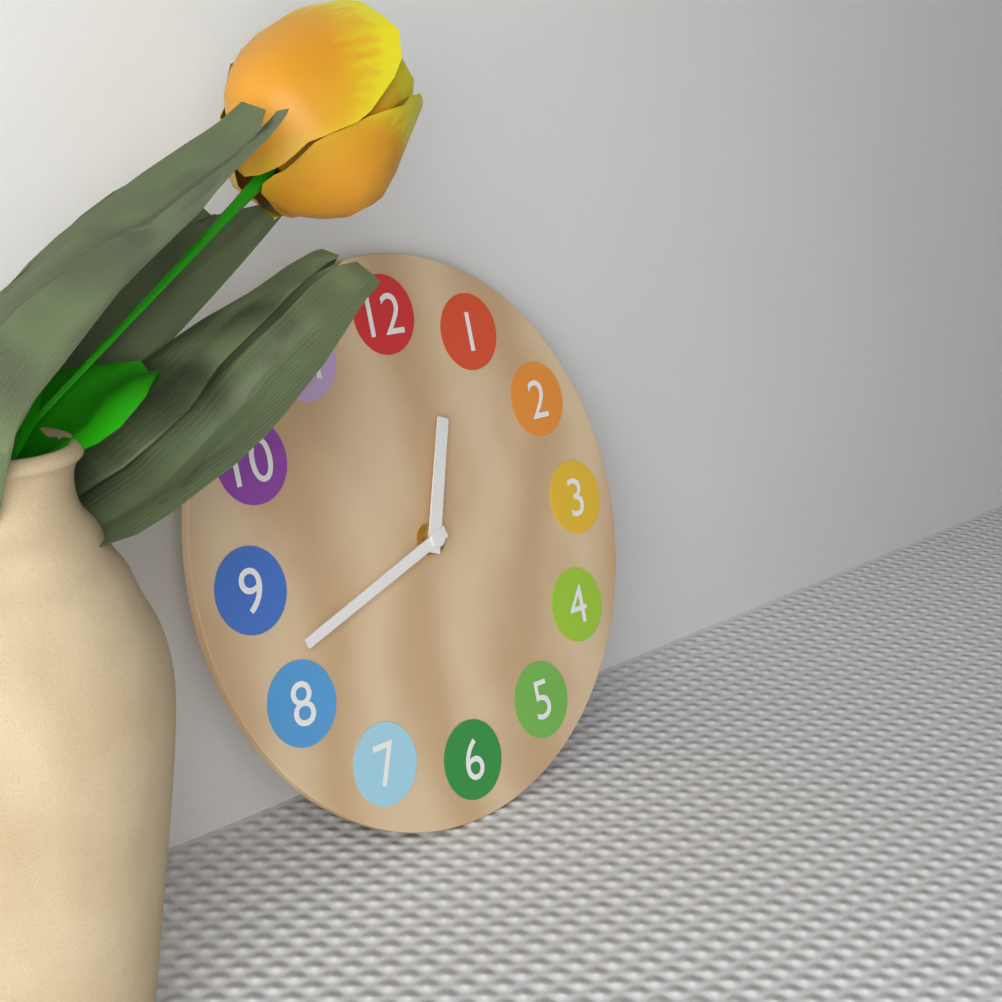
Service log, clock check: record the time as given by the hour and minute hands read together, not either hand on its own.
12:42
